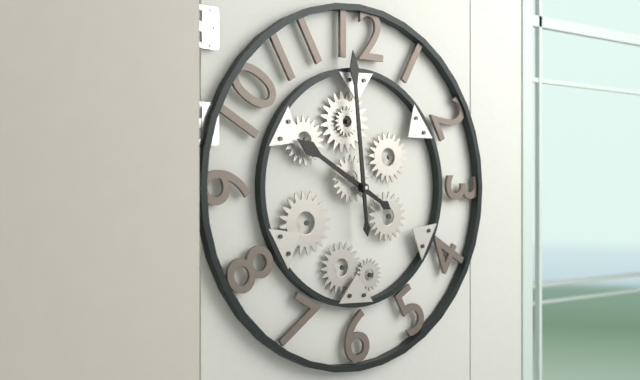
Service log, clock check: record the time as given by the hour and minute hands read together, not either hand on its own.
9:59
